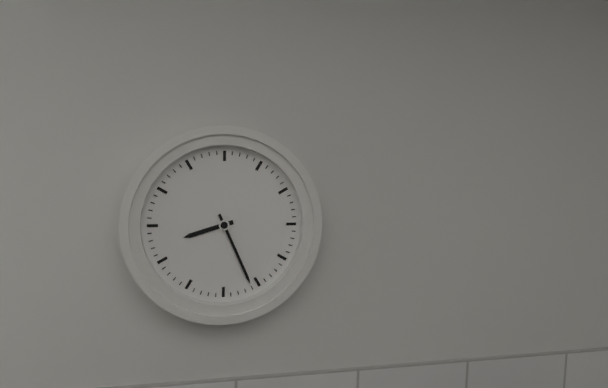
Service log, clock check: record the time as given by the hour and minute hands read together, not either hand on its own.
8:26
